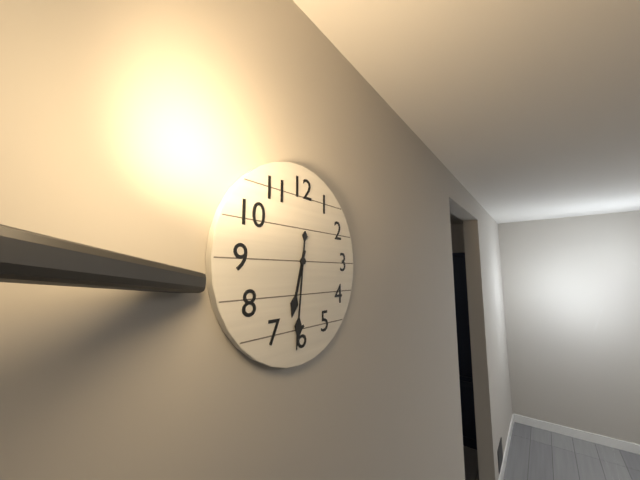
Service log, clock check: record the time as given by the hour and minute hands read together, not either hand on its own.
6:31
